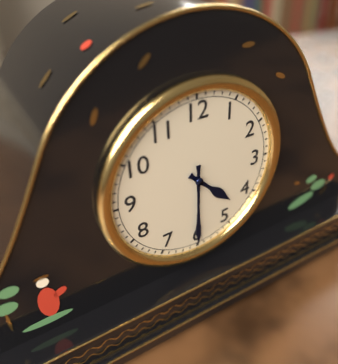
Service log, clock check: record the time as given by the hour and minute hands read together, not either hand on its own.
4:30
